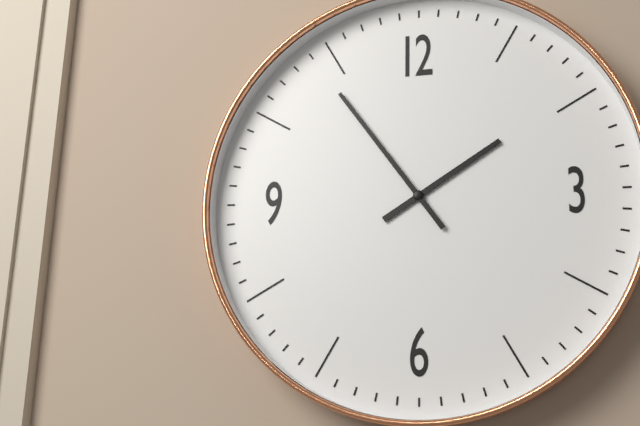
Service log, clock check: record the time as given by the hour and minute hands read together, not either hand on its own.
1:54
